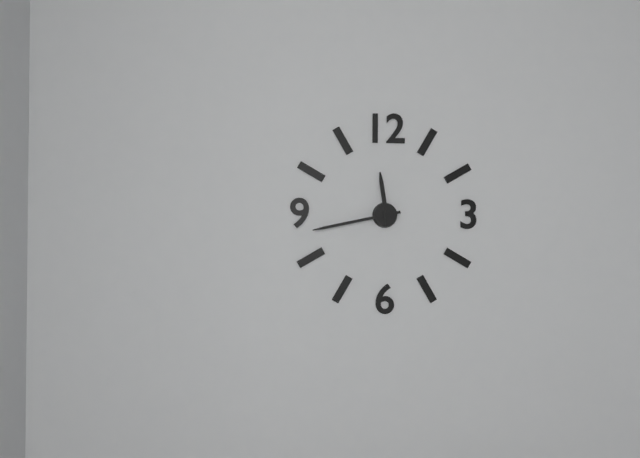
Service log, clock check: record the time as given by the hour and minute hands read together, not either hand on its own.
11:43
